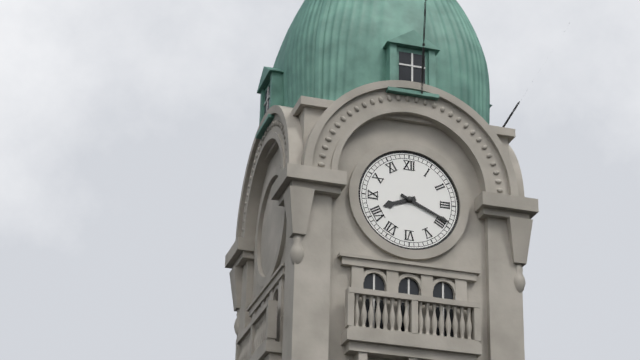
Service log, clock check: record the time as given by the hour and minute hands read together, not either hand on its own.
8:19
